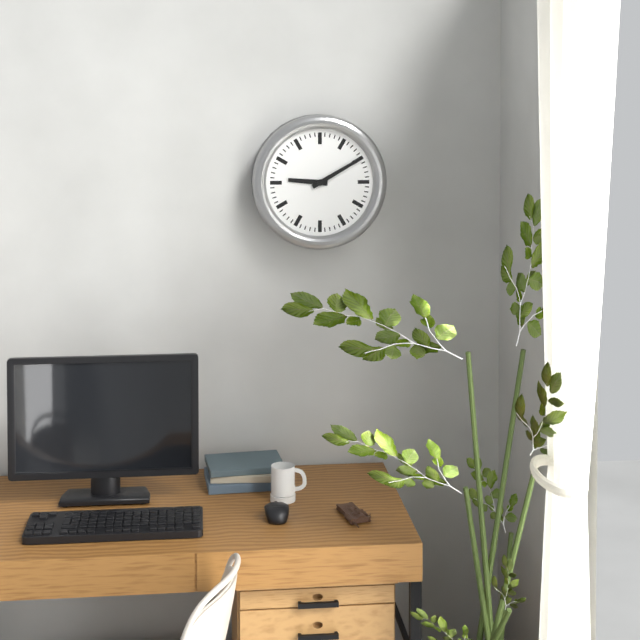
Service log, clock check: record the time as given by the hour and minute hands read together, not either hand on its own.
9:10
